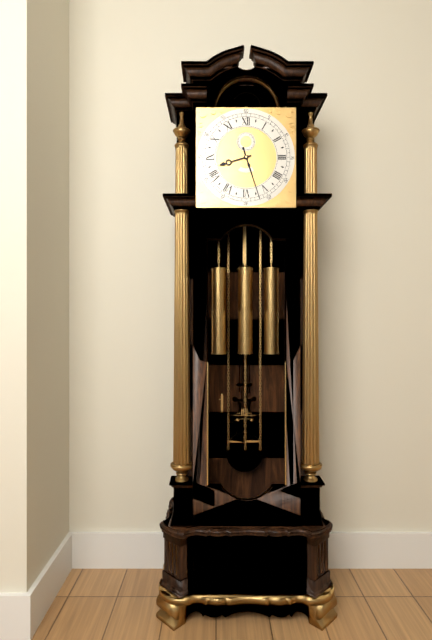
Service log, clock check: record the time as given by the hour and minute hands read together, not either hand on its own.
8:27
